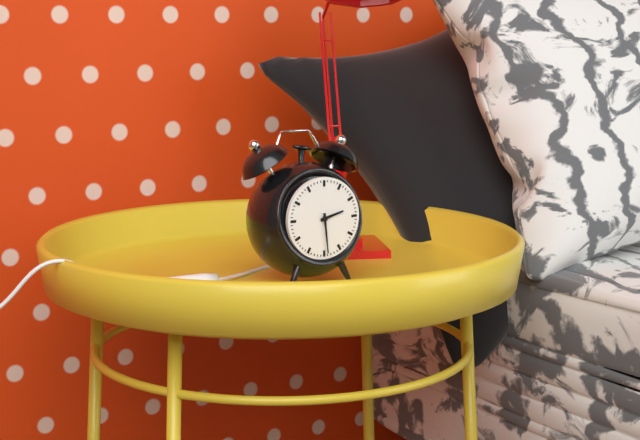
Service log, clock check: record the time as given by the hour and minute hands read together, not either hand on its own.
2:29
